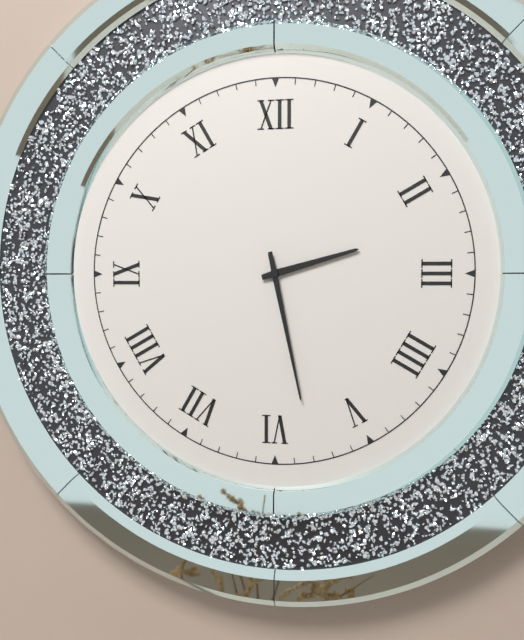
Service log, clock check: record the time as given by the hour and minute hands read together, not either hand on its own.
2:28
